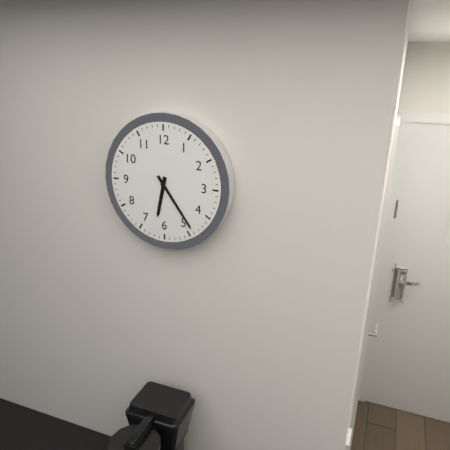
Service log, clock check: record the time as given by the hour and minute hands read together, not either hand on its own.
6:24
